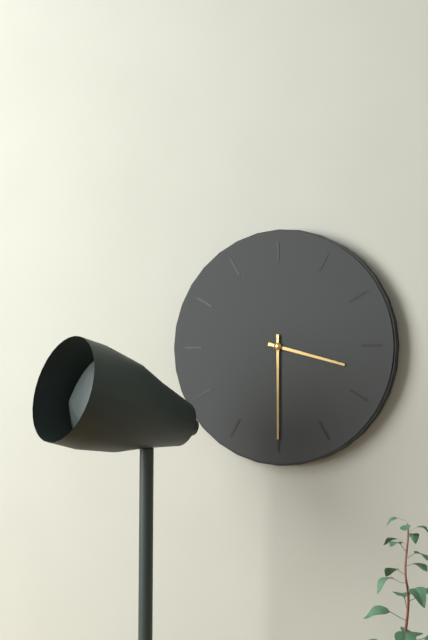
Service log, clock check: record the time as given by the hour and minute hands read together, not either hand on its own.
3:30
